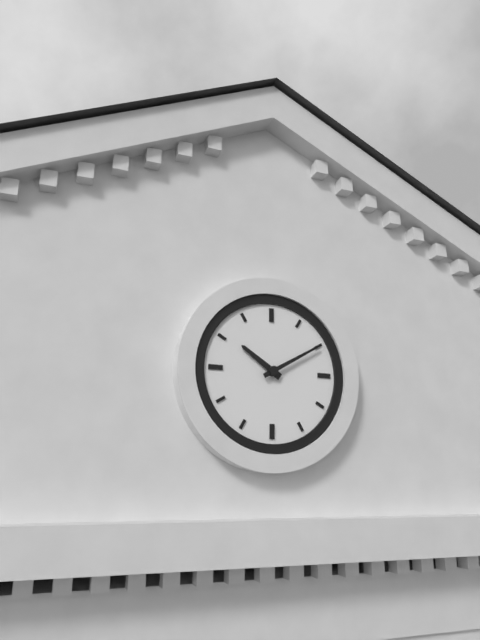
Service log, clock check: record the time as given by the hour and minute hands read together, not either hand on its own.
10:10
